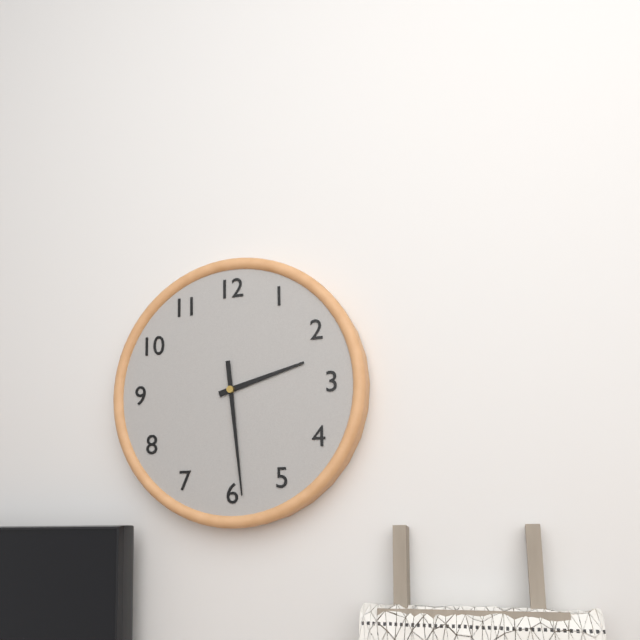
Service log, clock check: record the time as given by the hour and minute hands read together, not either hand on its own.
2:29
